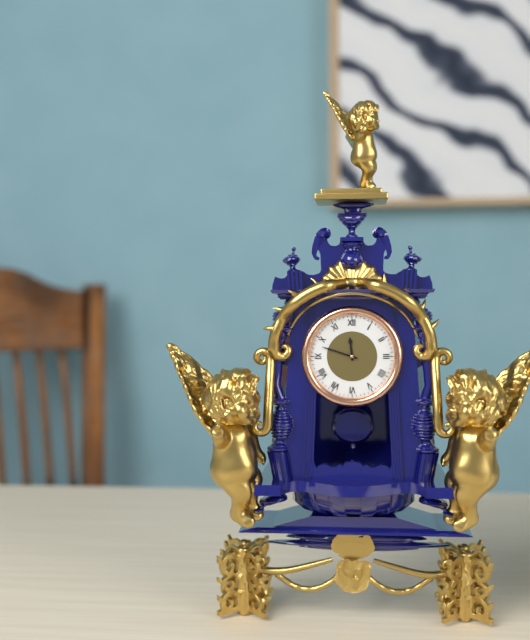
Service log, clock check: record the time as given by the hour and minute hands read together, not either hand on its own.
11:48
